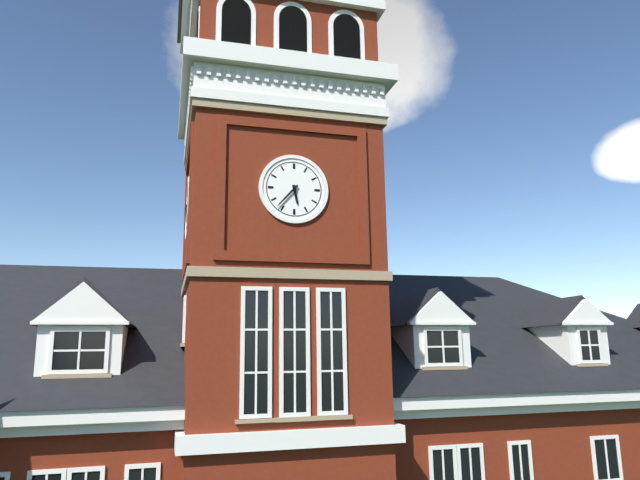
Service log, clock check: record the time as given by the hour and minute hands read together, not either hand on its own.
5:37
